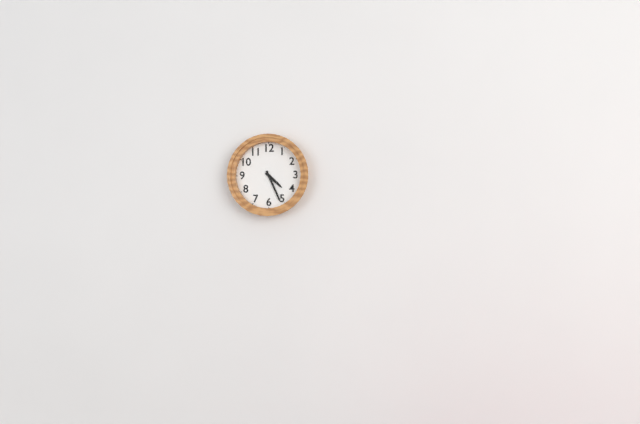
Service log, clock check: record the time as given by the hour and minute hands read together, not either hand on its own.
4:26
